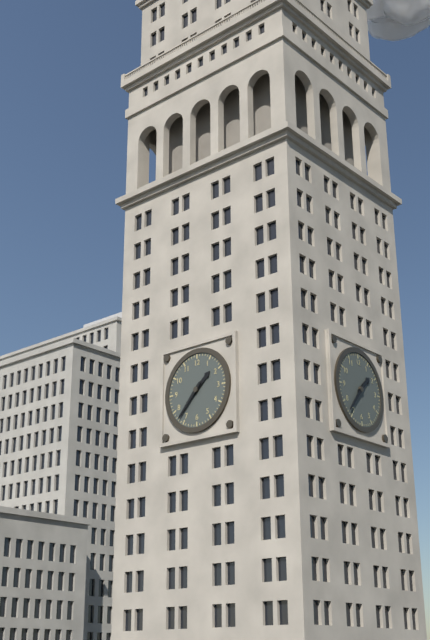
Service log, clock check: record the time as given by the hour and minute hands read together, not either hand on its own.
1:37
